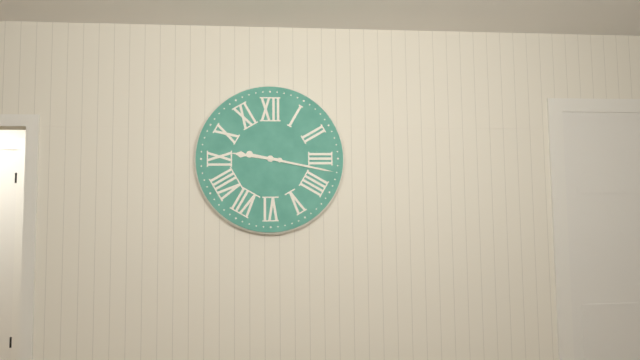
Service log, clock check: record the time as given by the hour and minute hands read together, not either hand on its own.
9:17
